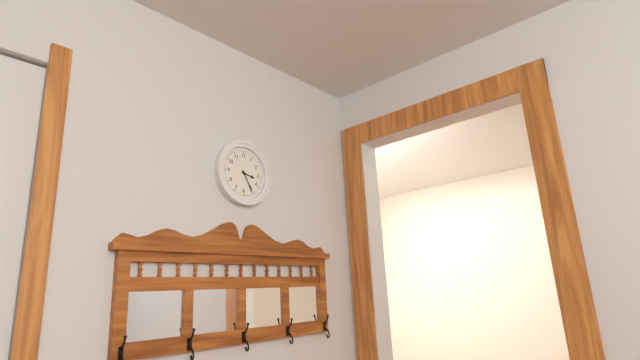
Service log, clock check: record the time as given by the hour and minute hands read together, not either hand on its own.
3:25
